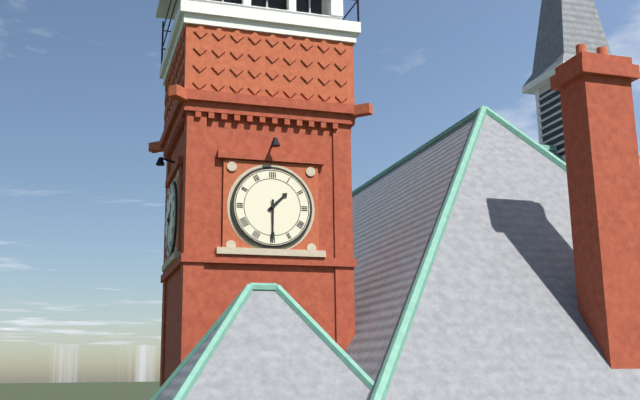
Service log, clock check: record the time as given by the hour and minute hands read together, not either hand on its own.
1:30
